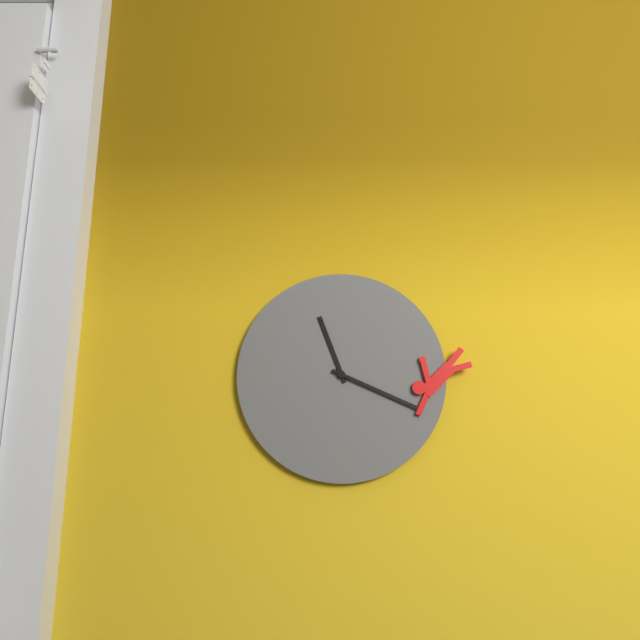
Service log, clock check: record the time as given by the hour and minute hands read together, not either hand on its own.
11:19
